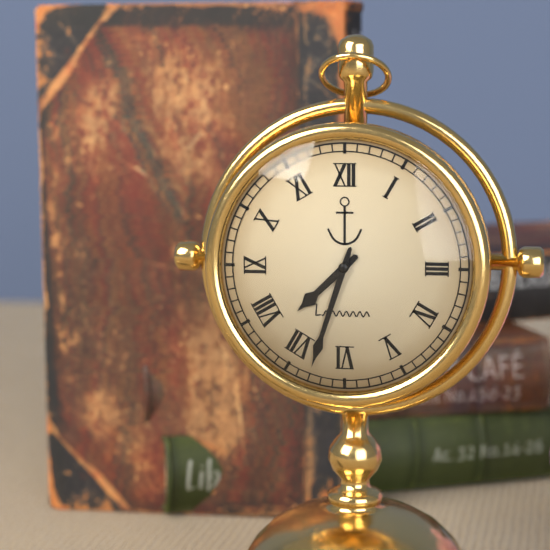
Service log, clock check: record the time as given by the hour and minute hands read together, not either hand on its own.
7:33
